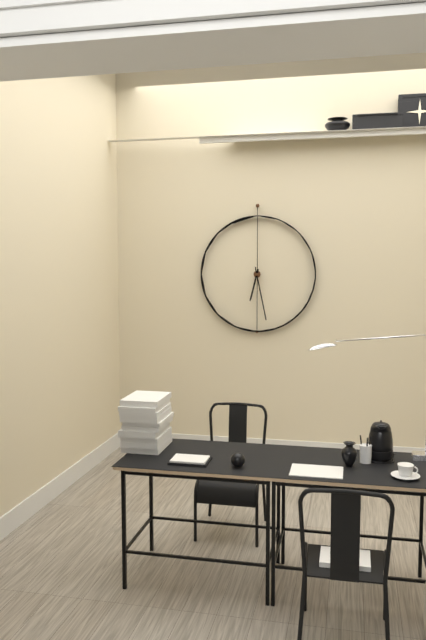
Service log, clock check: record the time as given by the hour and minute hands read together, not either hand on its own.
6:28
